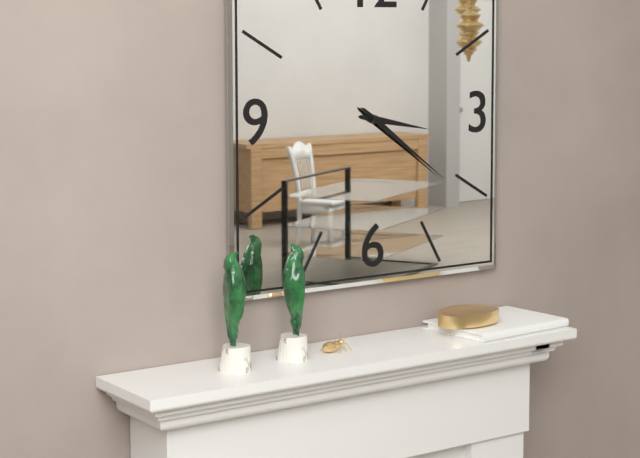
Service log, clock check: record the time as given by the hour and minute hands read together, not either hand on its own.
3:21
